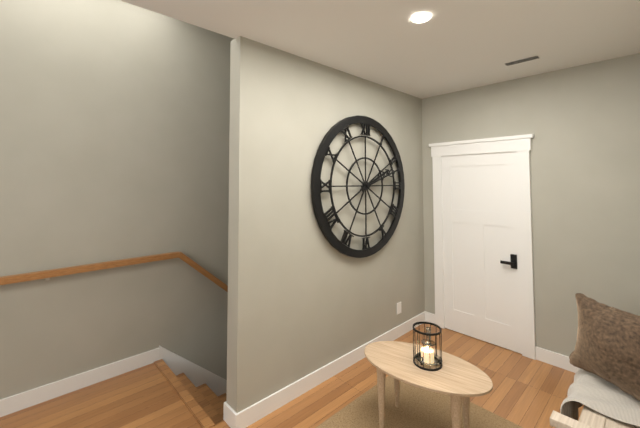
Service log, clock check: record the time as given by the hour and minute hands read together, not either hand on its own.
2:12
